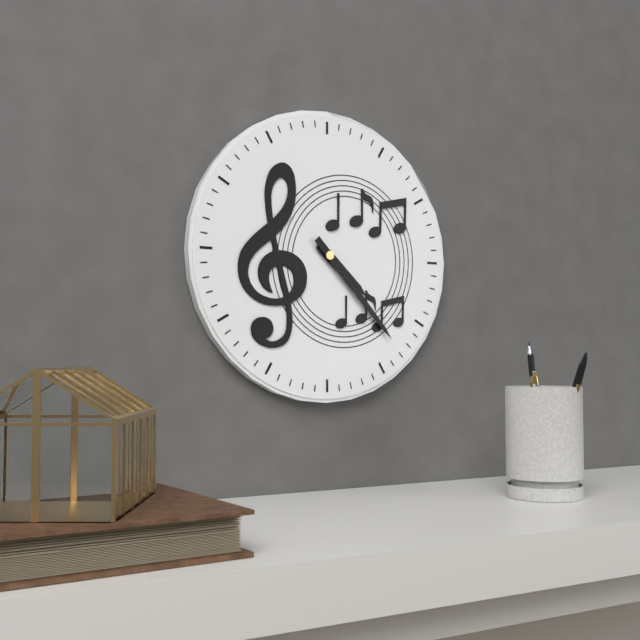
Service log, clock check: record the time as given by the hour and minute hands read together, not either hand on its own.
4:23
